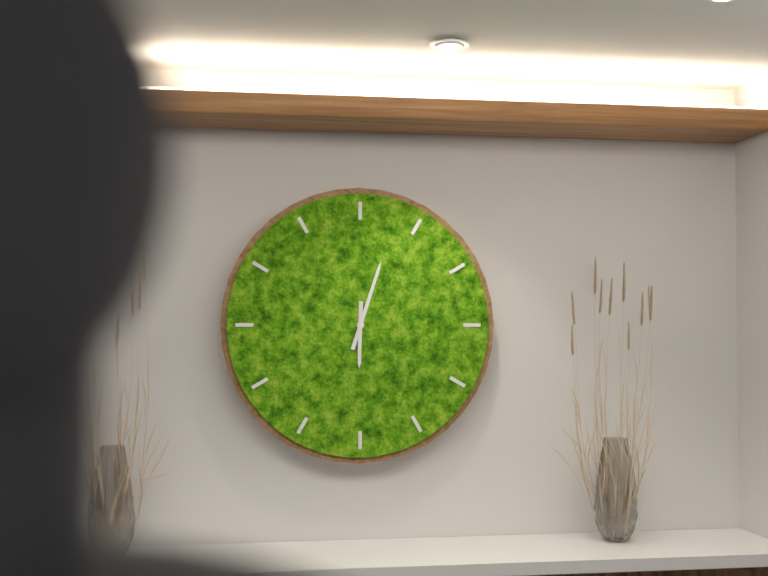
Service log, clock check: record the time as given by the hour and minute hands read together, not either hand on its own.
6:03
